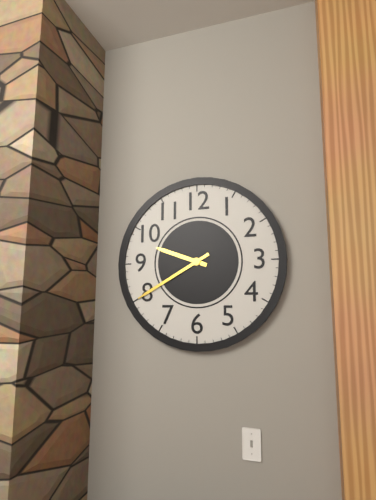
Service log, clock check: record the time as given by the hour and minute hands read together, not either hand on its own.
9:40
